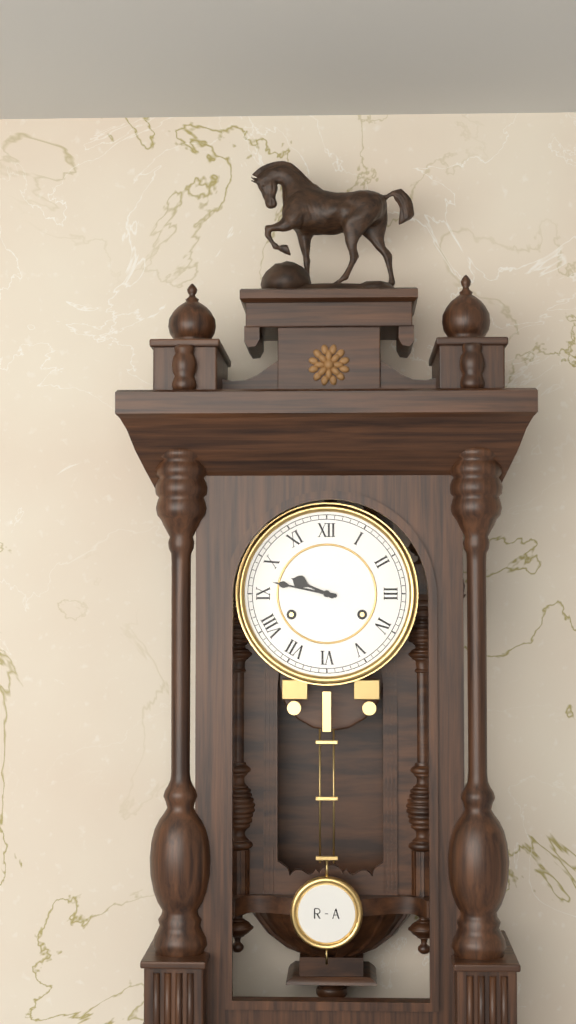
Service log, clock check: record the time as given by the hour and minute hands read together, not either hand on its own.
9:47
